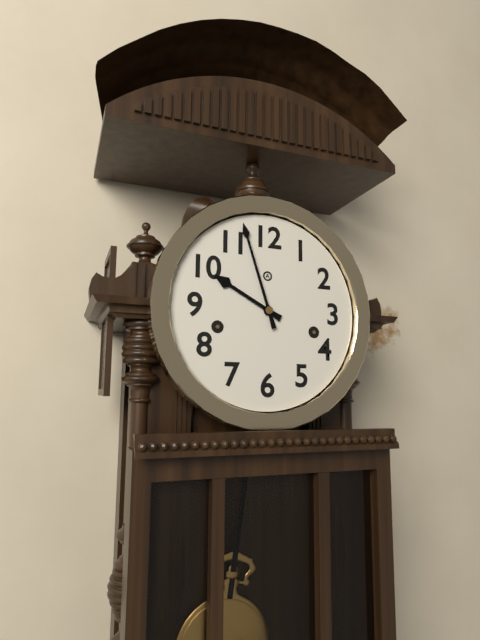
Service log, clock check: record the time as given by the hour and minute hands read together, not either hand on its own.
9:57
